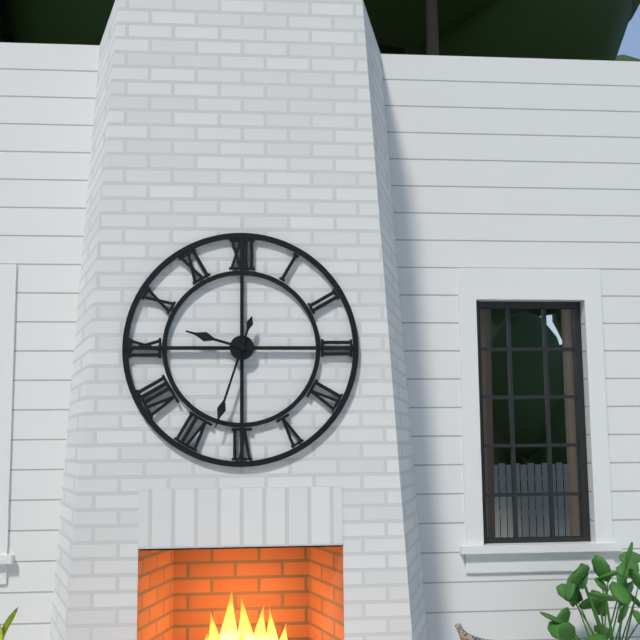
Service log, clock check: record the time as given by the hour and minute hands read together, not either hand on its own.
9:33
